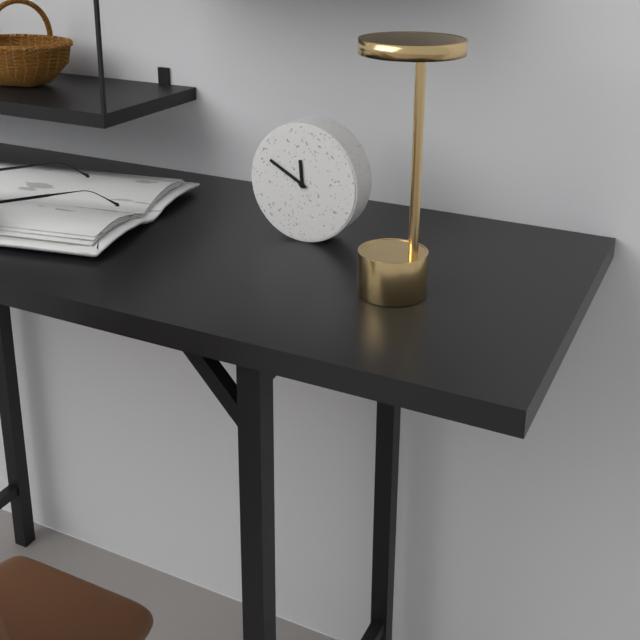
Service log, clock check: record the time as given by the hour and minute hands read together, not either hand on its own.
11:50
